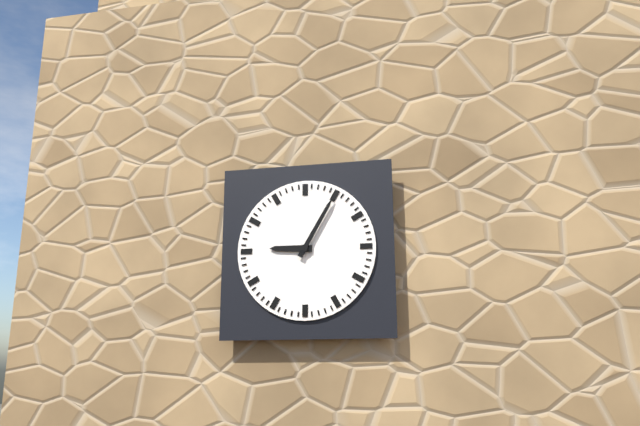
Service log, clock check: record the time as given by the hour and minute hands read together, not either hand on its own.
9:05
